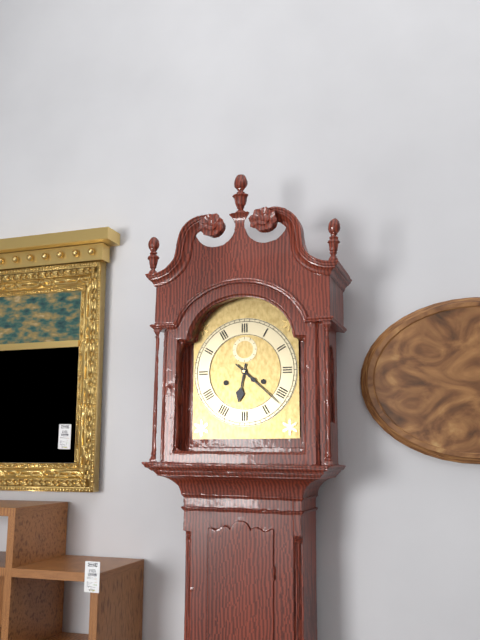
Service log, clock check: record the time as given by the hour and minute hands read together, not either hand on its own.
6:22
